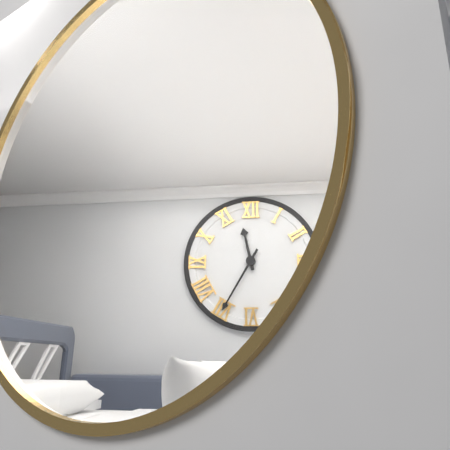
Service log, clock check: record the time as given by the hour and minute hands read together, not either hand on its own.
11:35
